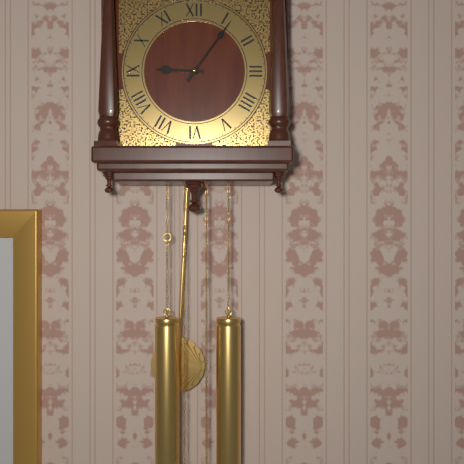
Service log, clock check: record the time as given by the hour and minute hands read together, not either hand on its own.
9:06
